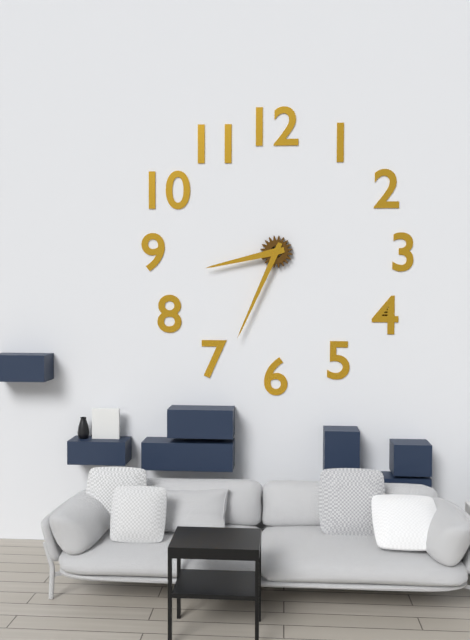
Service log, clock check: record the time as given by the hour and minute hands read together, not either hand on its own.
8:34
